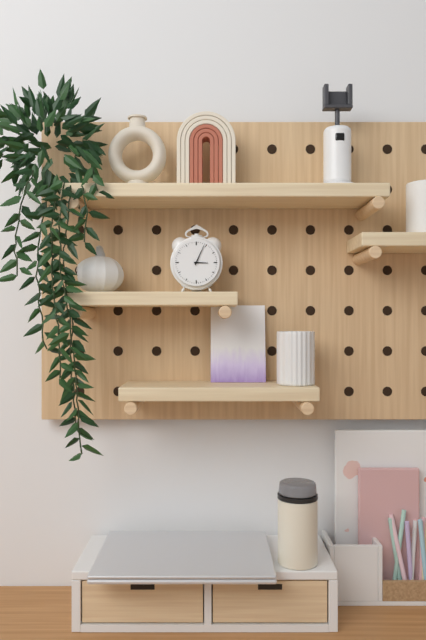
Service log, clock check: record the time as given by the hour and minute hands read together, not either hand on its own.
3:04
